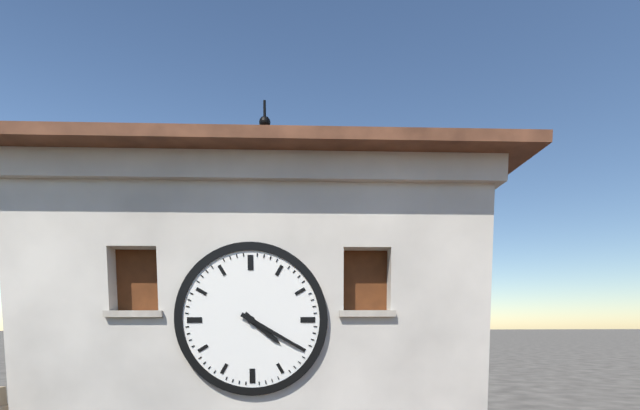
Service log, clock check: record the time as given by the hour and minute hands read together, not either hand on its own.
4:20
